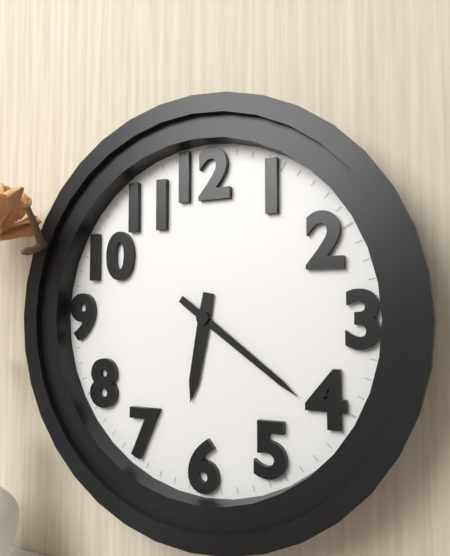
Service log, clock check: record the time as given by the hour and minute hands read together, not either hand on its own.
6:21
